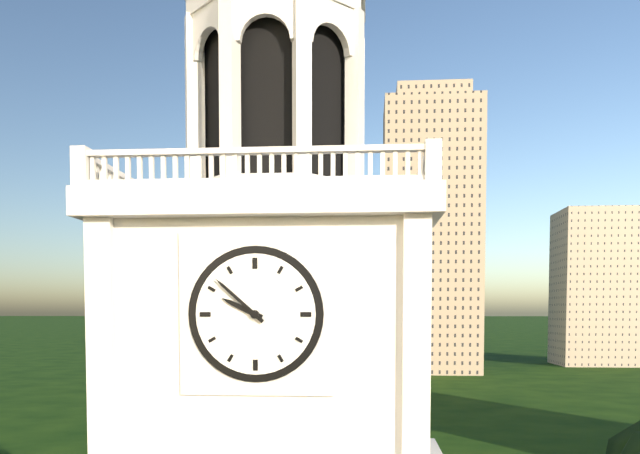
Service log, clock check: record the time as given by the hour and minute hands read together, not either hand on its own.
9:52
